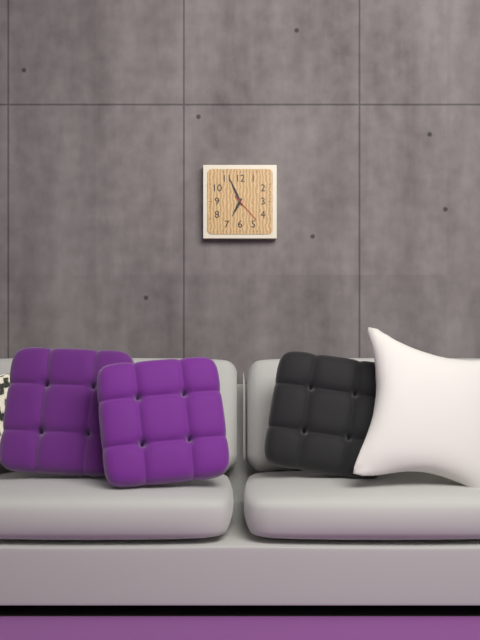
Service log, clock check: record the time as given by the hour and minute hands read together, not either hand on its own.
6:56
